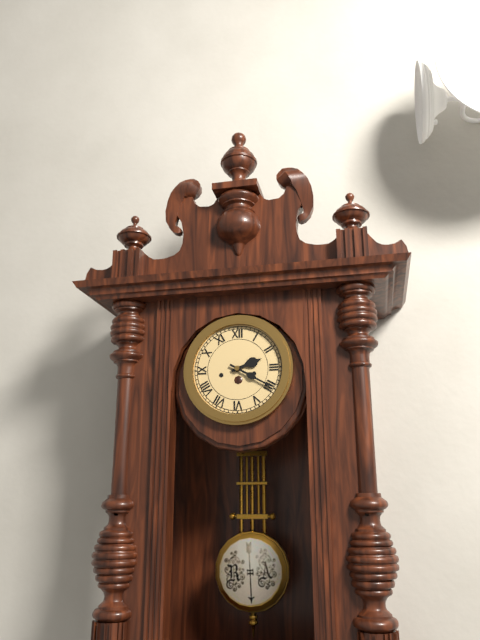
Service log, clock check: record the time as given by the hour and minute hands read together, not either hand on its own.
2:20
